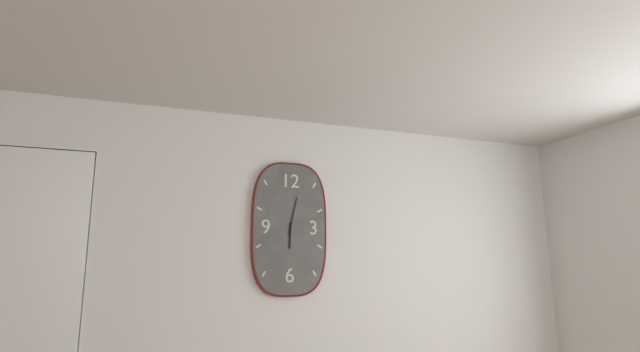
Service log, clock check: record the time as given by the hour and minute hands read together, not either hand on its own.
6:02
